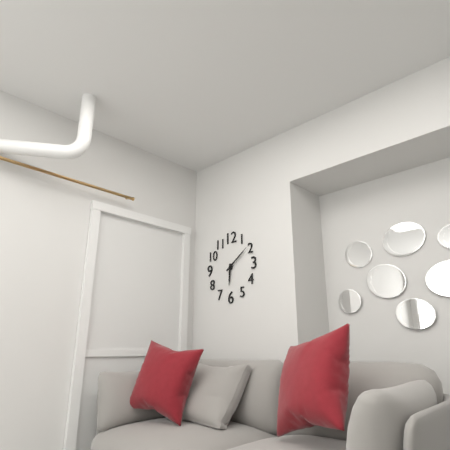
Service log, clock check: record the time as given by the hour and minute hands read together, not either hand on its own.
6:09
